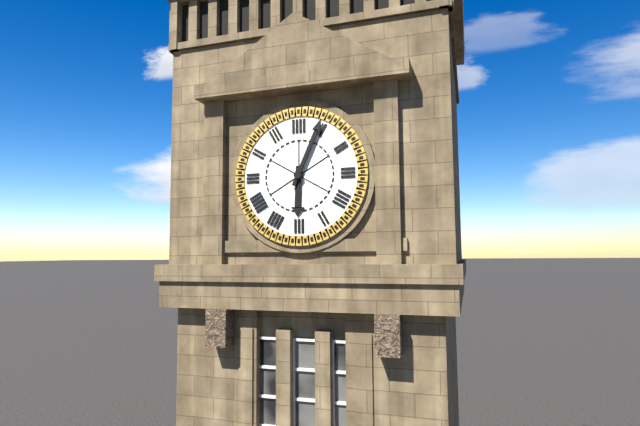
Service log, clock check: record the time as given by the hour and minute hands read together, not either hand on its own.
6:04
